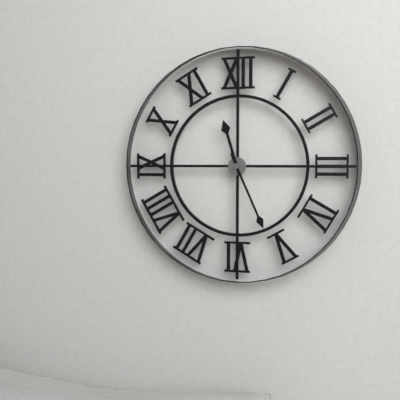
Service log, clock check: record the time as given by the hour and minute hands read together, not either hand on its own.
11:26
